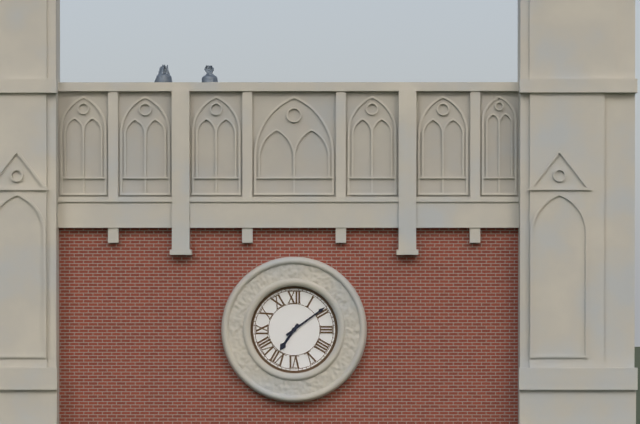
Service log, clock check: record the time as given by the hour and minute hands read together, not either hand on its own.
7:09
